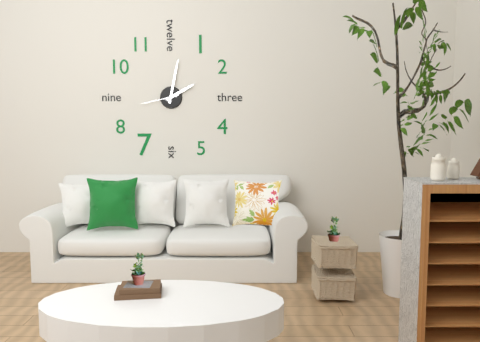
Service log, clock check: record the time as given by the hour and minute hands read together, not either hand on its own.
2:02
